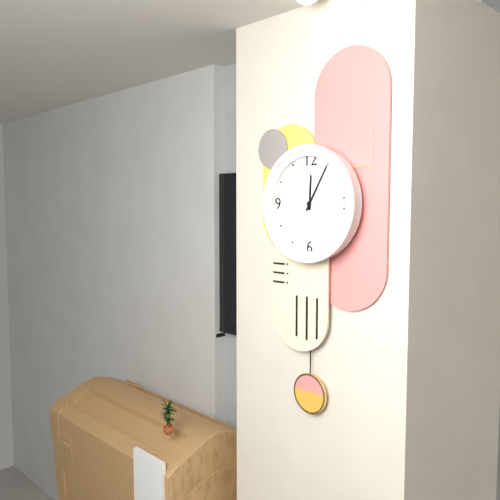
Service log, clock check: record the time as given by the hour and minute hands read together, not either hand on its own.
12:05
